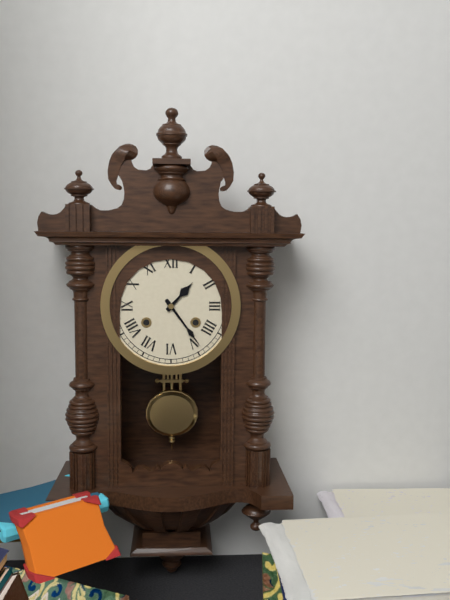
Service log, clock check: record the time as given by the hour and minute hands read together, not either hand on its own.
1:24
